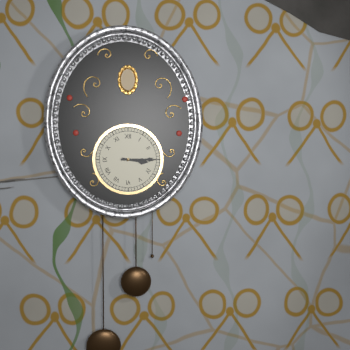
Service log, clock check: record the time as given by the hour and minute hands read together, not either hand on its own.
3:15
